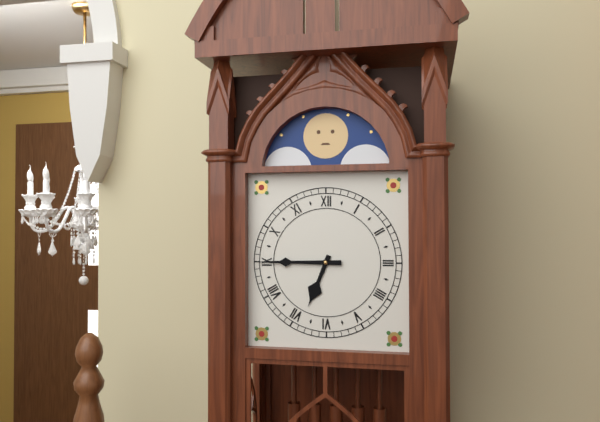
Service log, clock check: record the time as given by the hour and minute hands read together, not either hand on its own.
6:45
